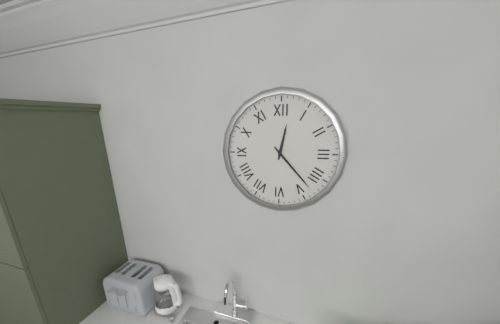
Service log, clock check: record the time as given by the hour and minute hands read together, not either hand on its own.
12:23
